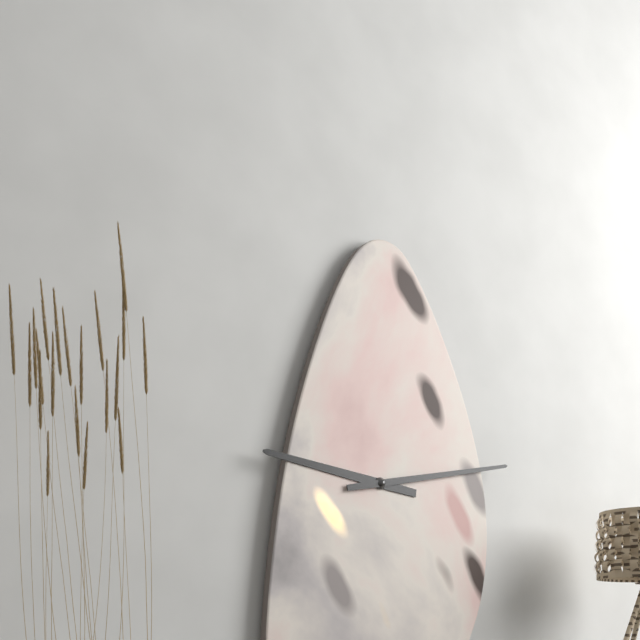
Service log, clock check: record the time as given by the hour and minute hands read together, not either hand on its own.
9:13
